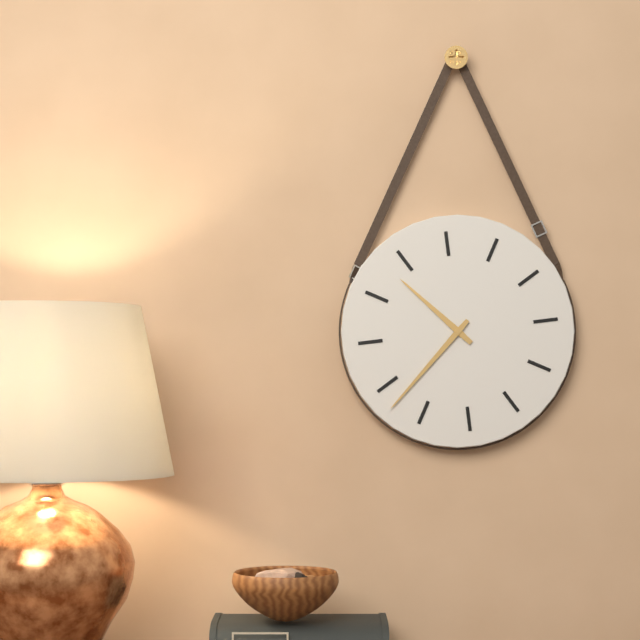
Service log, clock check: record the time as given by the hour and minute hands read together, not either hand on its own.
10:38
